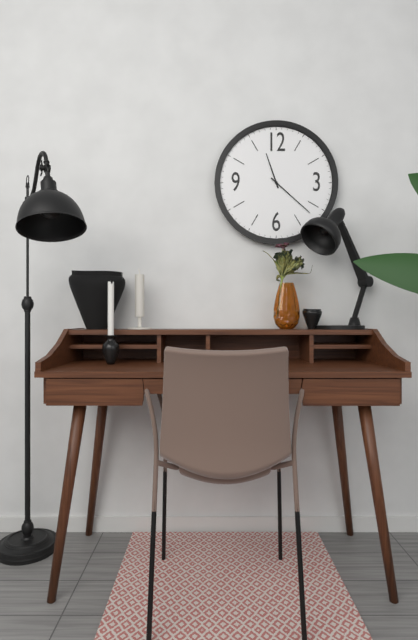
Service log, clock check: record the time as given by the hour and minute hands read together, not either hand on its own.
11:22
